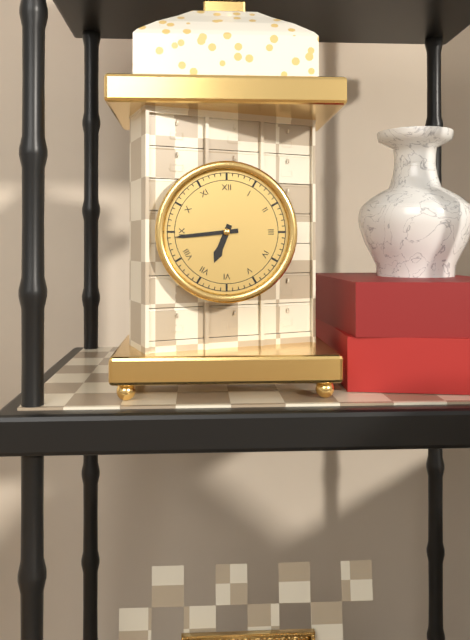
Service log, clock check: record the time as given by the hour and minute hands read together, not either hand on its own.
6:44
